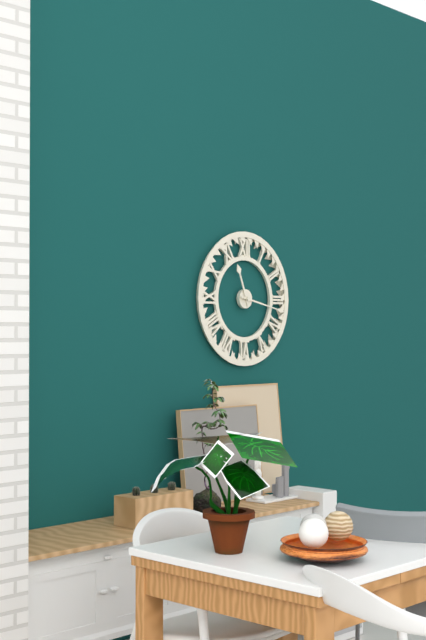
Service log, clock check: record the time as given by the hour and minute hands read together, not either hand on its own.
11:17
